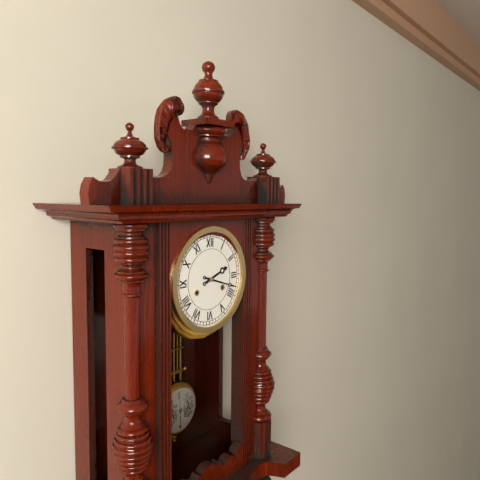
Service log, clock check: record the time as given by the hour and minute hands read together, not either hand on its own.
2:18
